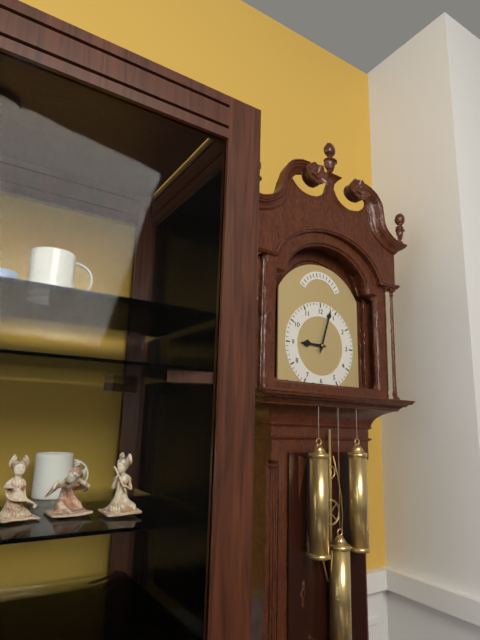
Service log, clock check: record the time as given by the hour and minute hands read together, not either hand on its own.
9:03
